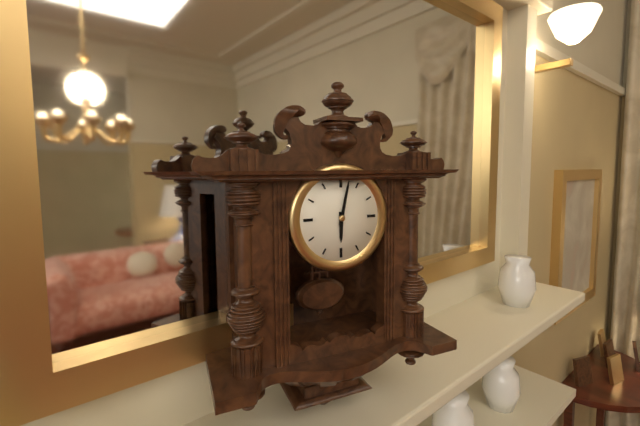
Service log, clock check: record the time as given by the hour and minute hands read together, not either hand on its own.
6:02
